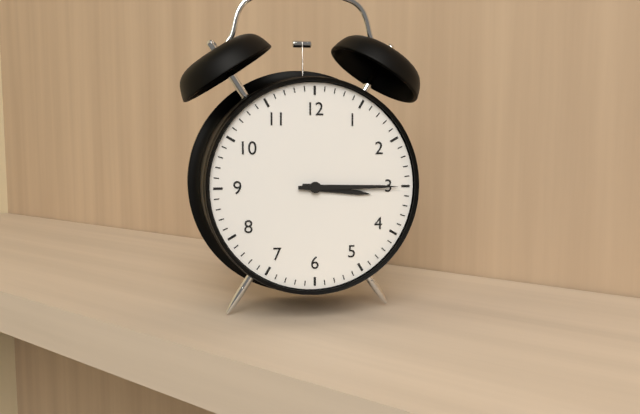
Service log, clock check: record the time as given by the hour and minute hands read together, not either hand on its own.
3:15
